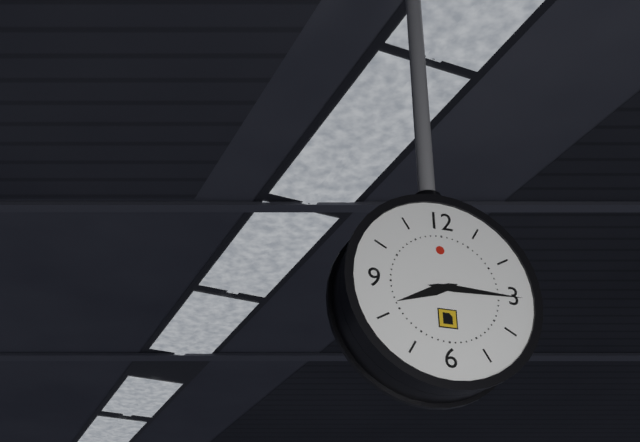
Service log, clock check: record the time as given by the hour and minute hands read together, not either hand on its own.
8:15
